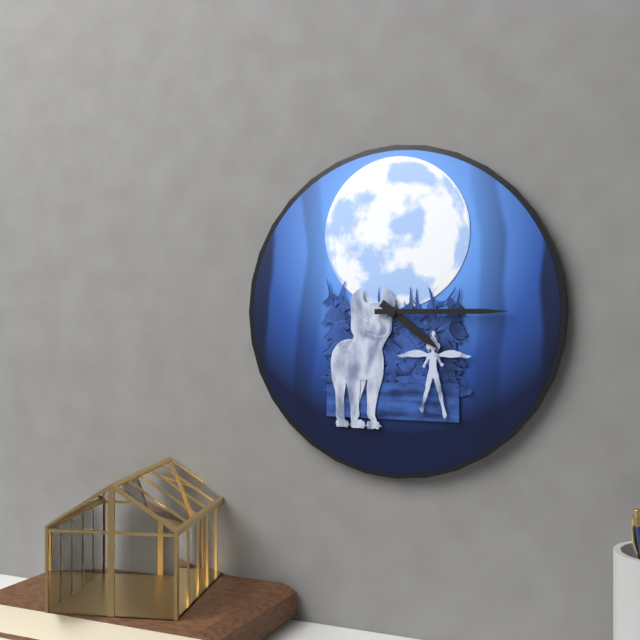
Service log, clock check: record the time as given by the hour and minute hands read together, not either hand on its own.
4:15
